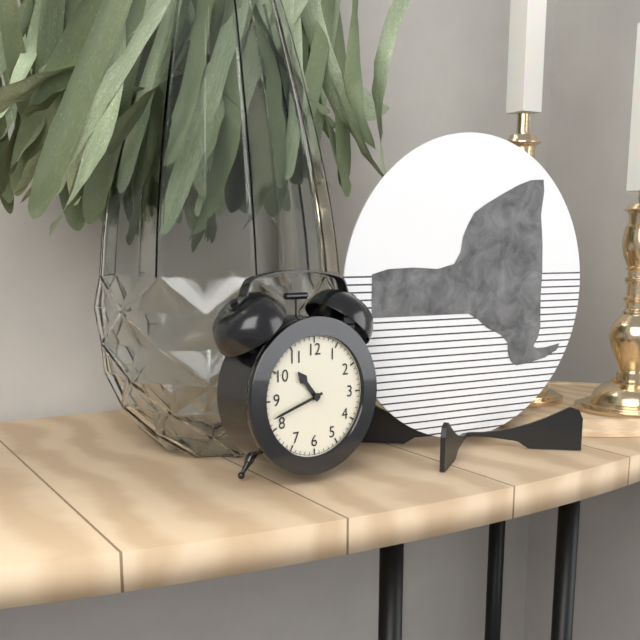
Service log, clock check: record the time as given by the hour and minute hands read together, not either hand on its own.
10:42
